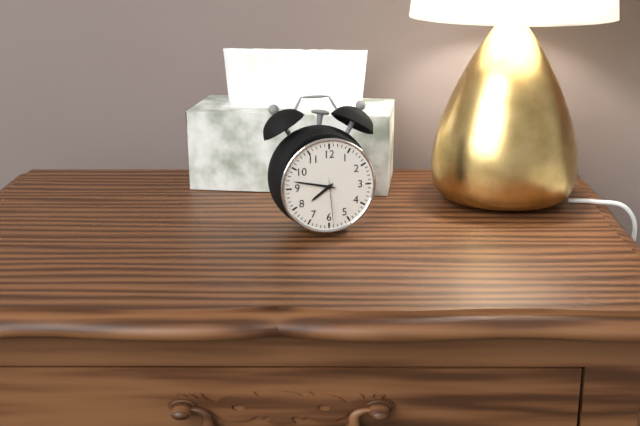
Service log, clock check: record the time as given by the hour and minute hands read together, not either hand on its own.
7:47
